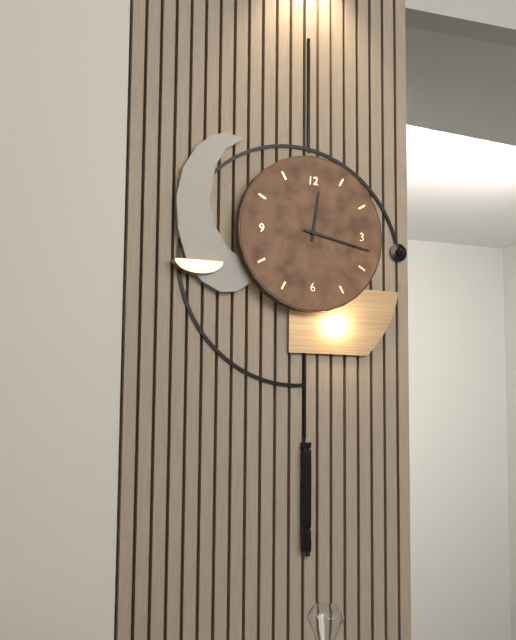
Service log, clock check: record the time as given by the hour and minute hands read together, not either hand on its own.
12:17
